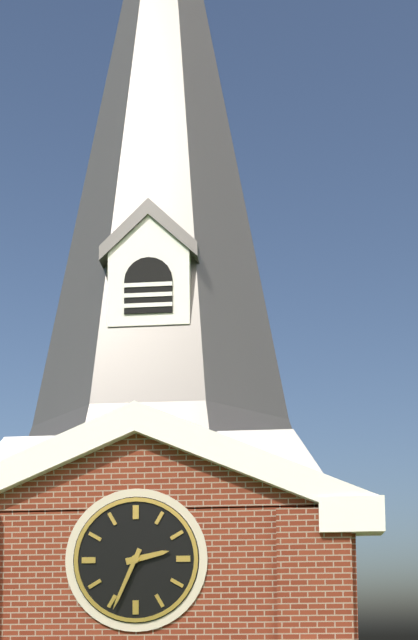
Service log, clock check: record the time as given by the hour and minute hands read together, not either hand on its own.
2:34
